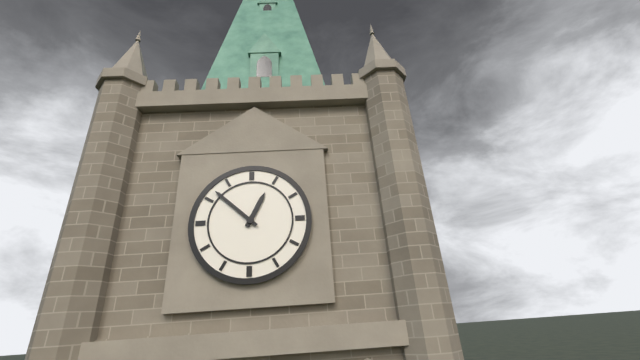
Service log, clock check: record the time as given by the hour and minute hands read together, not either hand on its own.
12:52
